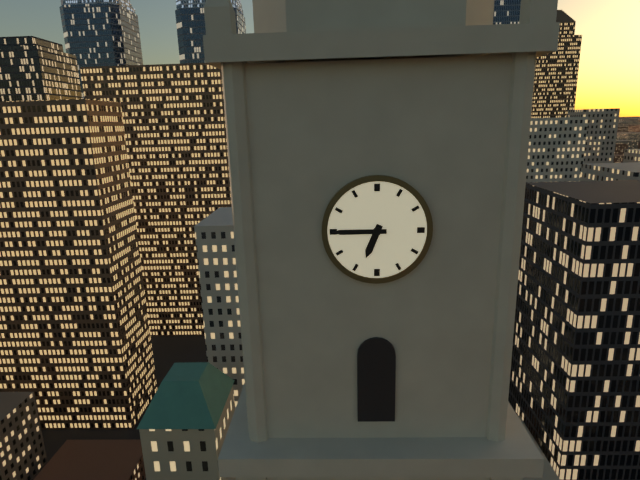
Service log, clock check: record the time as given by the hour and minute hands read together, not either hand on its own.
6:45
